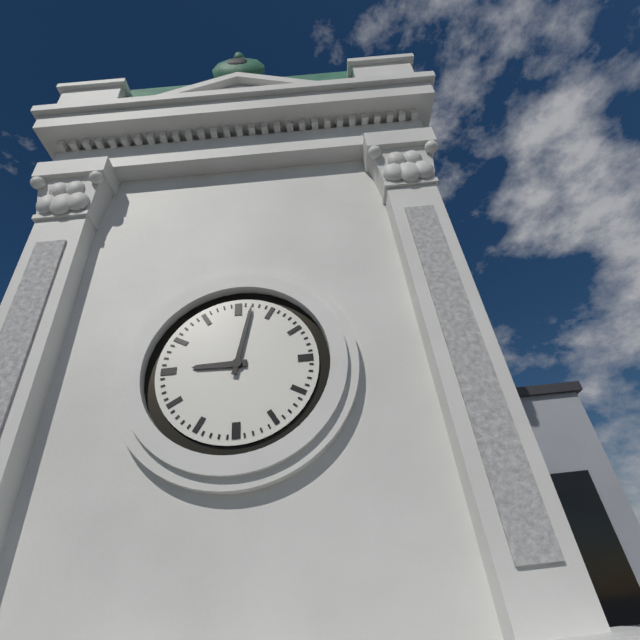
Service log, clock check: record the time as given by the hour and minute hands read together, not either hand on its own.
9:02
